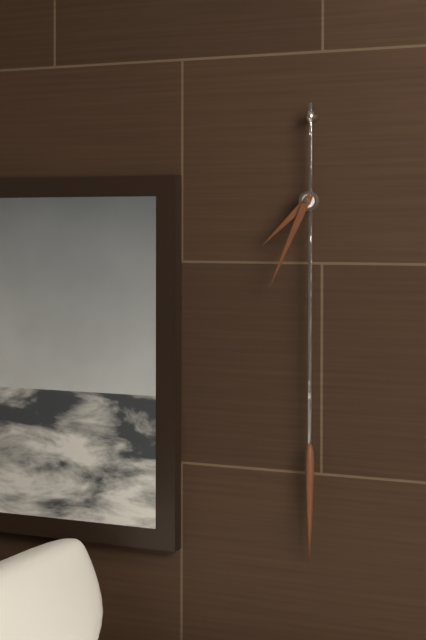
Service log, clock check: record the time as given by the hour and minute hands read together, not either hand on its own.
7:34
